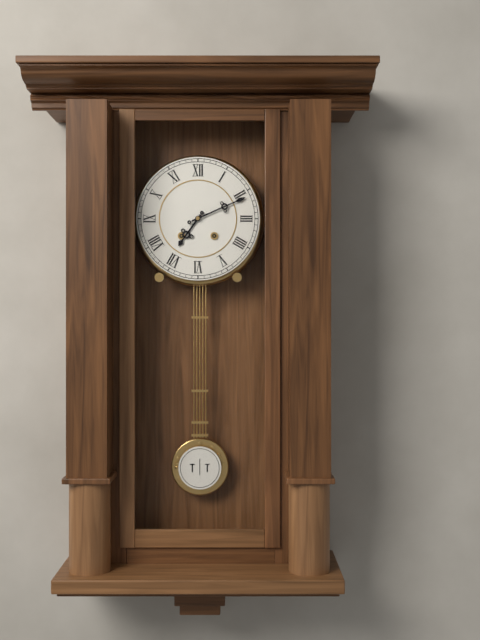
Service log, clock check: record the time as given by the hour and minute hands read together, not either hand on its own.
7:11
